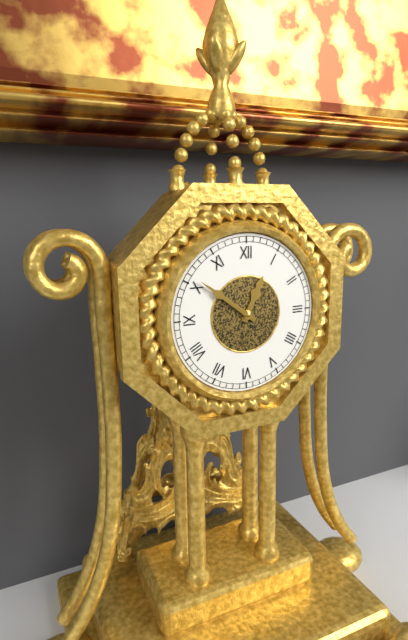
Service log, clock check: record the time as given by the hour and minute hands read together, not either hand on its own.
12:51
